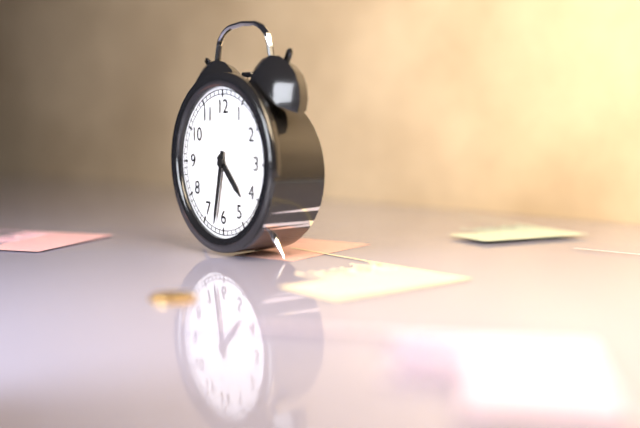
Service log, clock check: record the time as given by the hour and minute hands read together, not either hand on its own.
4:32
